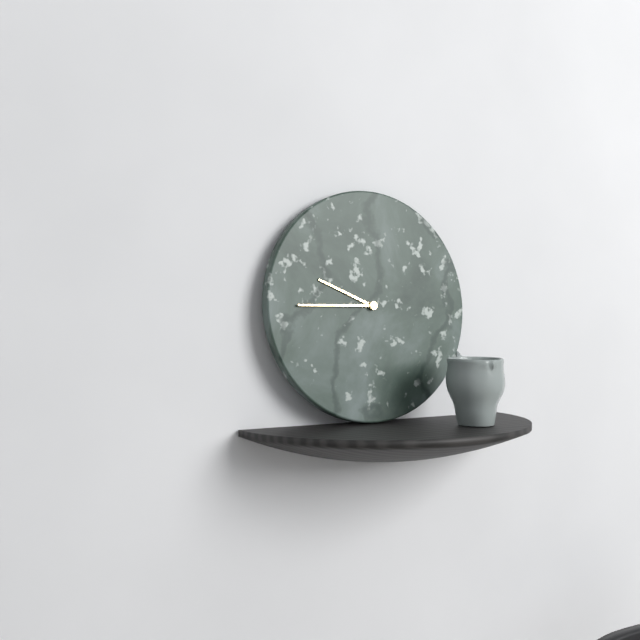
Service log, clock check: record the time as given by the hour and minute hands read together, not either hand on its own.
9:45
